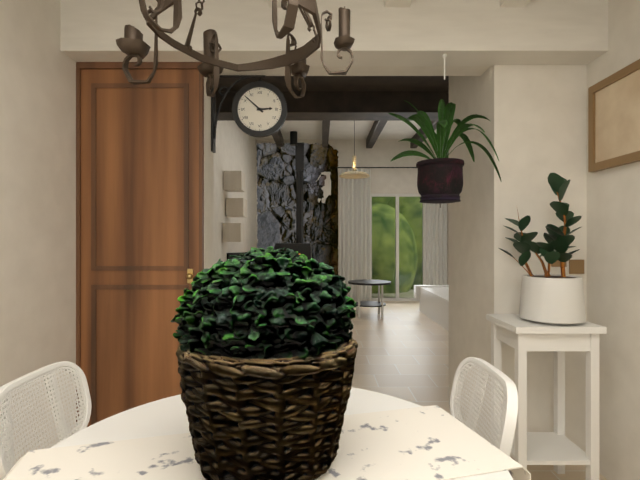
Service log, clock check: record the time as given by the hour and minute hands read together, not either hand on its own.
2:52
